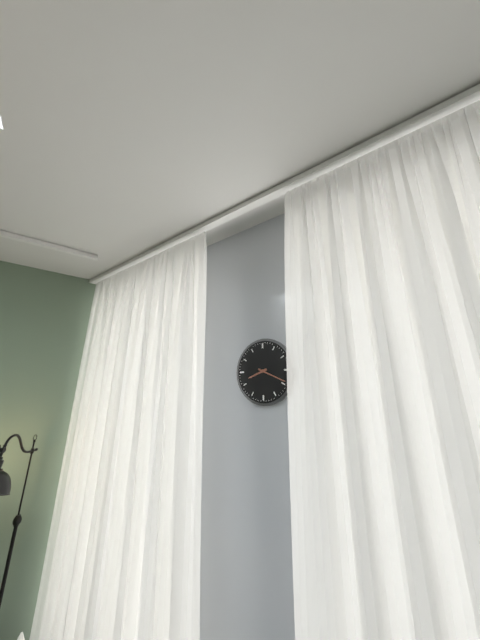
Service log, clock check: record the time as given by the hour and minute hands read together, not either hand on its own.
8:19
